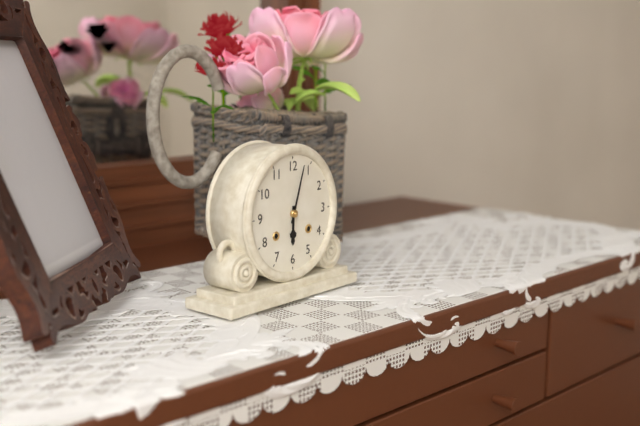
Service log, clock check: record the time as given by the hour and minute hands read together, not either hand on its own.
6:03
